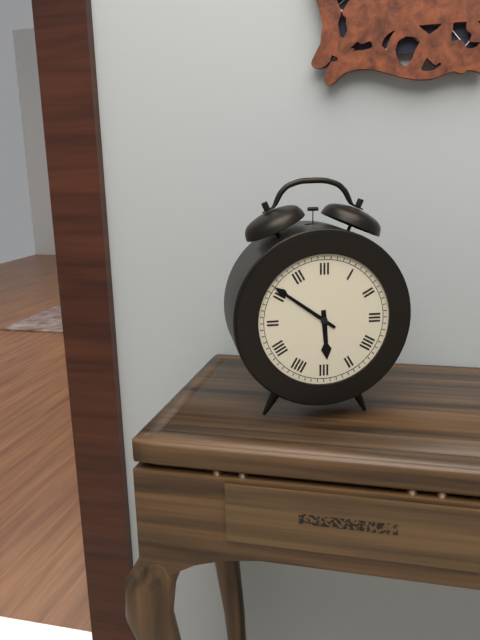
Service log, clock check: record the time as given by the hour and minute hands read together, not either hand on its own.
5:51
